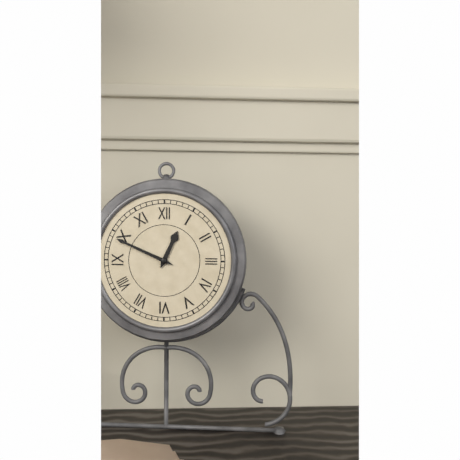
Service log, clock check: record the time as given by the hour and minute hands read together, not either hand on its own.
12:49
